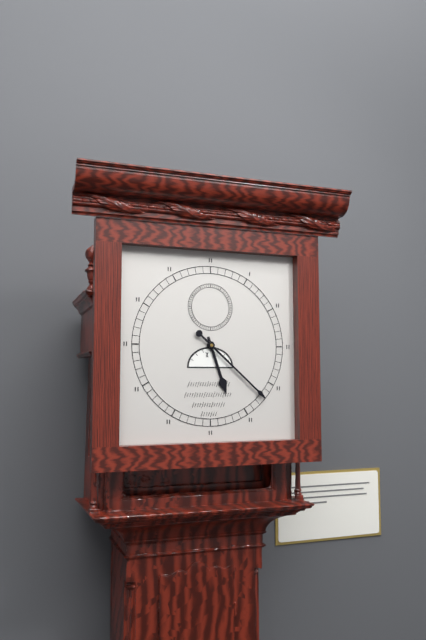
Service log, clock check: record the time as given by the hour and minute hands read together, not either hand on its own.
5:22
